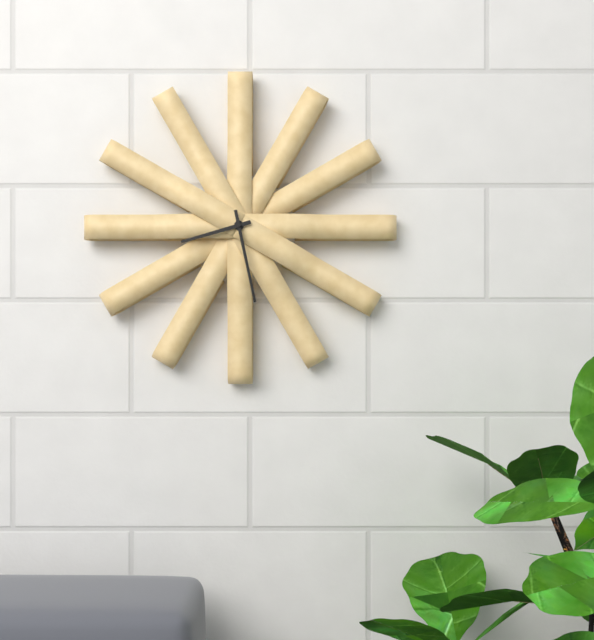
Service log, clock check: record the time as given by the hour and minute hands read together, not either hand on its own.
8:28
